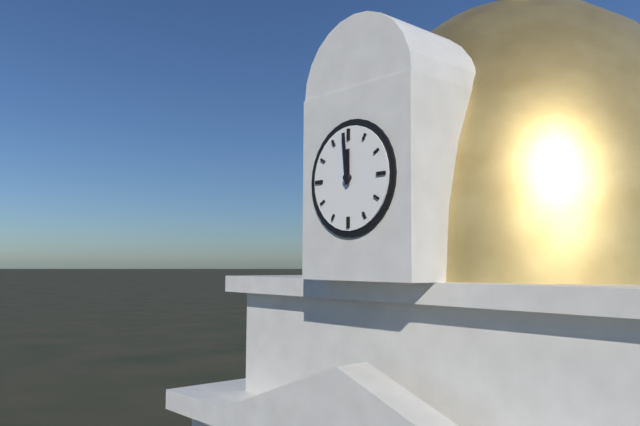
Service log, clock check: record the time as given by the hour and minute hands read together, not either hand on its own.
11:59
